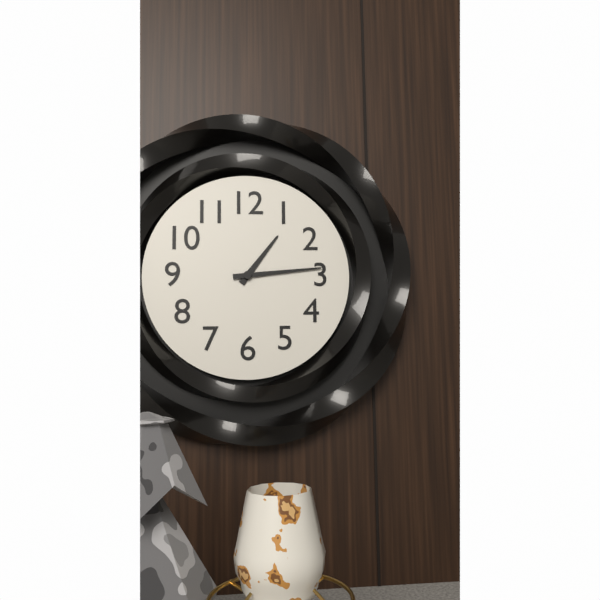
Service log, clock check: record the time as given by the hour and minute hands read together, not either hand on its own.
1:14
